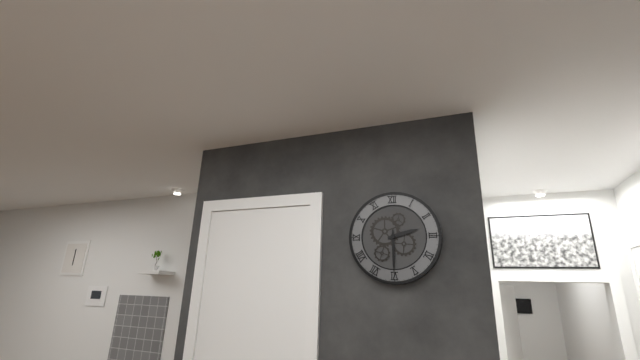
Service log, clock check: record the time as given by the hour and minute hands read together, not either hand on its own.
2:30
